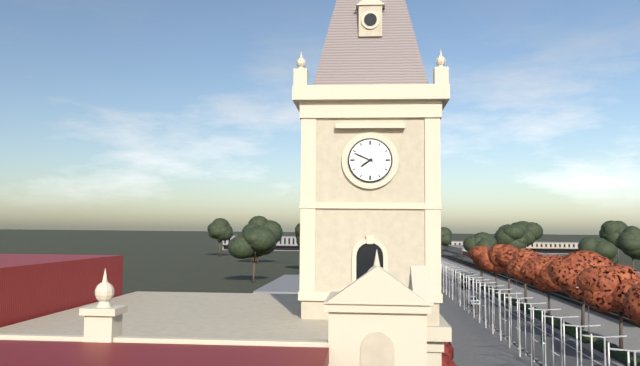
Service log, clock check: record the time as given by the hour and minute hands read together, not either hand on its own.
7:49
